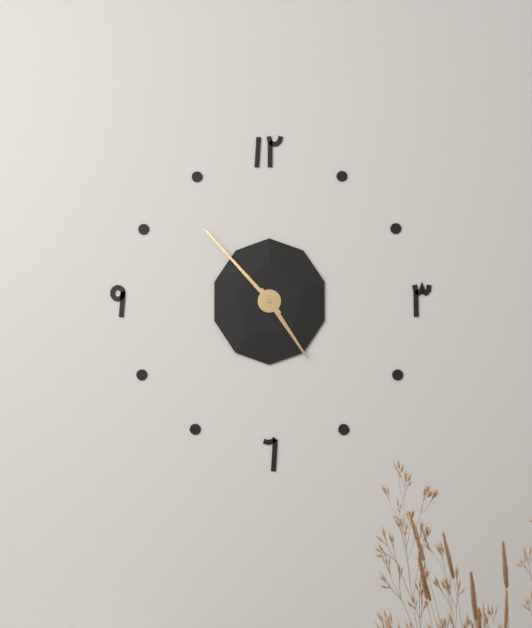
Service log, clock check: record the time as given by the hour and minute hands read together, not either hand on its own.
4:53
